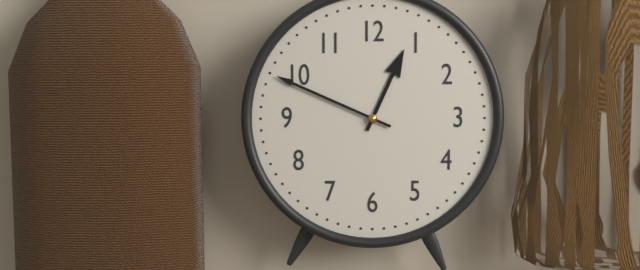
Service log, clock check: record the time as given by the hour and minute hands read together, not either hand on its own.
12:49
